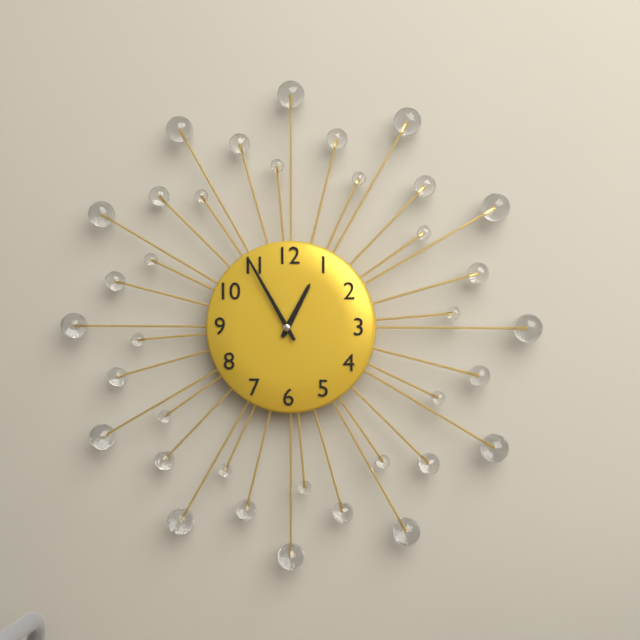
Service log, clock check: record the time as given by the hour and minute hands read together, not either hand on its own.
12:55
